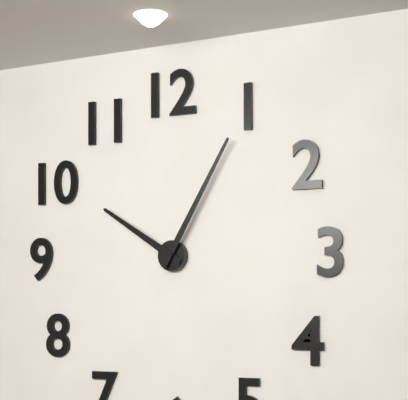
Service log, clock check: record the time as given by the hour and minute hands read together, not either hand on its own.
10:05
